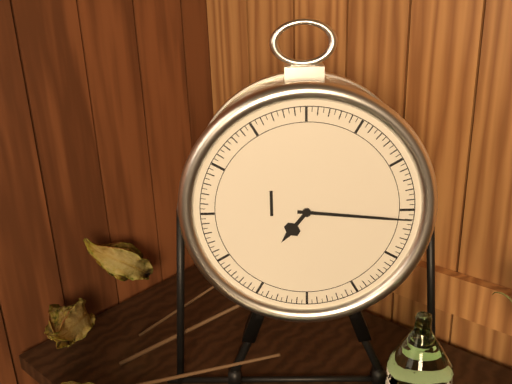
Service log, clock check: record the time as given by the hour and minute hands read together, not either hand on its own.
7:16
